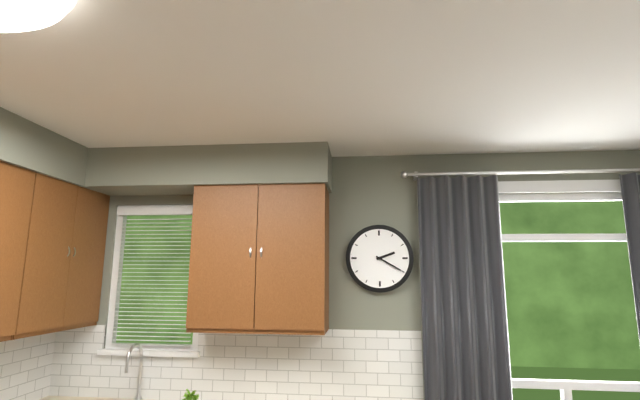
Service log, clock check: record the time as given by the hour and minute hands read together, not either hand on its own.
2:20
